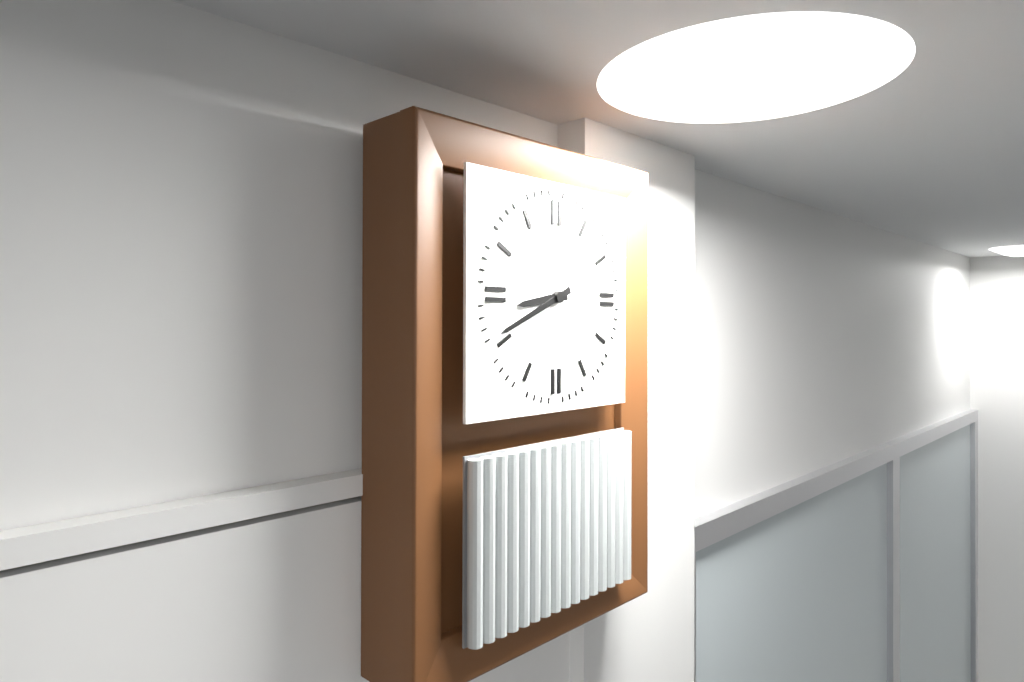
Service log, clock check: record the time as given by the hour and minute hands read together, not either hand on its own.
8:41
